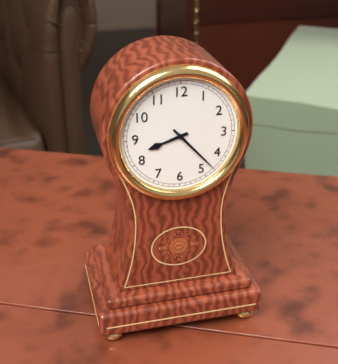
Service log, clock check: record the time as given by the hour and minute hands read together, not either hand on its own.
8:23
